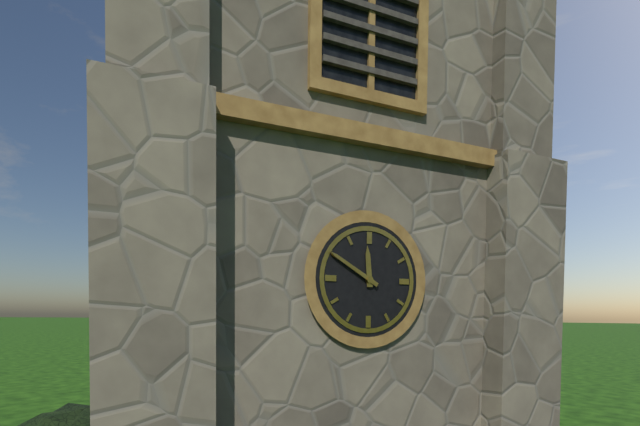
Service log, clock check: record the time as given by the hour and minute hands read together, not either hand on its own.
11:50
